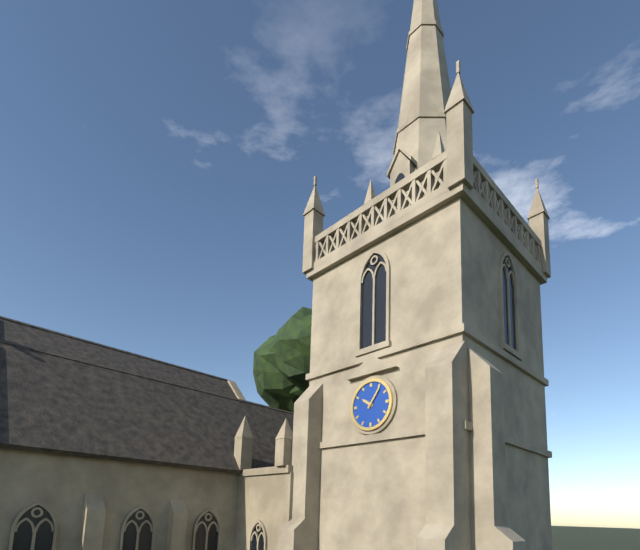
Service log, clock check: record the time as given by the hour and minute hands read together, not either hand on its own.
10:06
